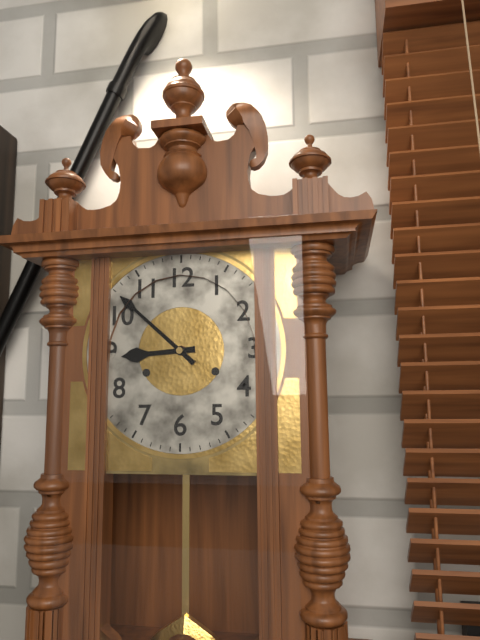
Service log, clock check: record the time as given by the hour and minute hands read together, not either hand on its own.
8:52
